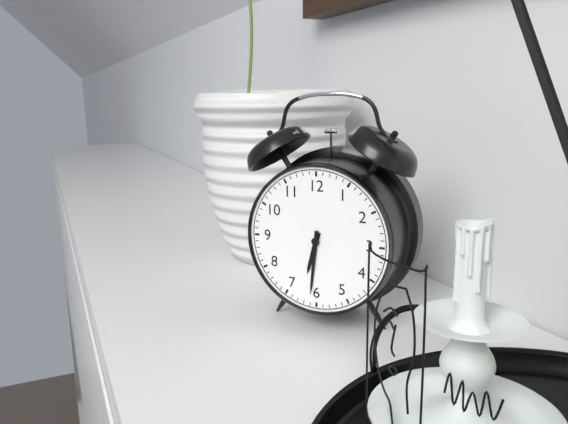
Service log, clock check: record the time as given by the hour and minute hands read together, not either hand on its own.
6:31
